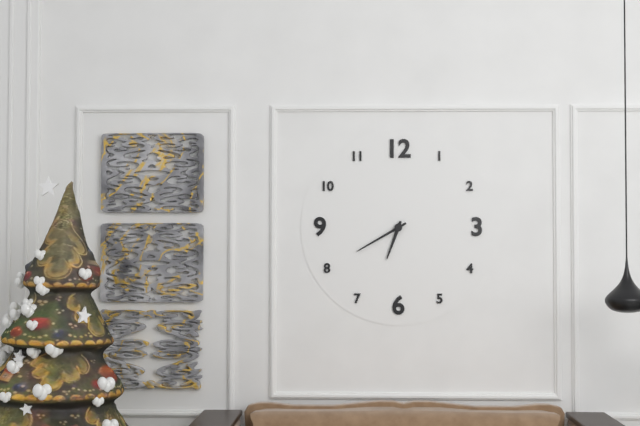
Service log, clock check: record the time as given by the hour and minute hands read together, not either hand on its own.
6:40
